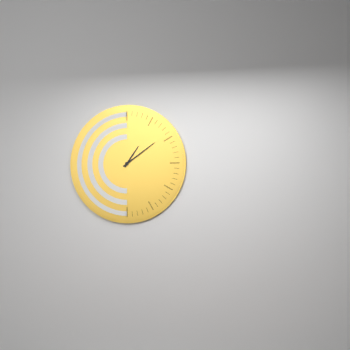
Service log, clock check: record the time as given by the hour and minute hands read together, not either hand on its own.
1:09
